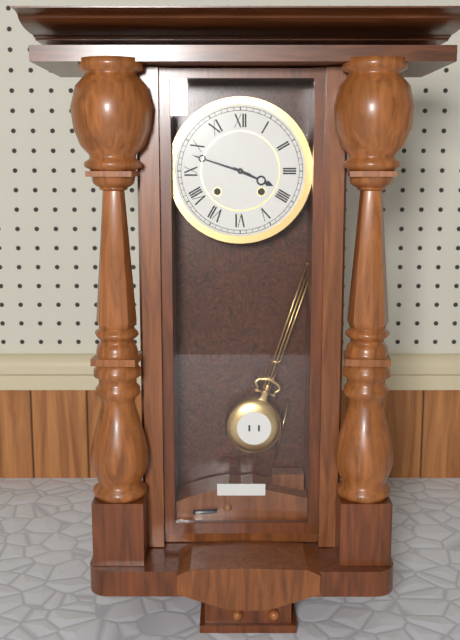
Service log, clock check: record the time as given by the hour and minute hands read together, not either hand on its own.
3:48
